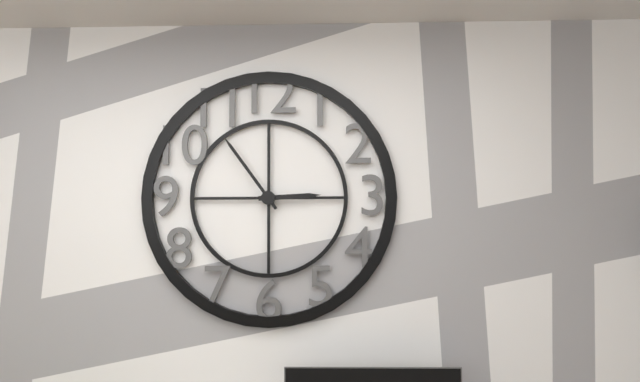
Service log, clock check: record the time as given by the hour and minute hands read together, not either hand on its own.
2:54
